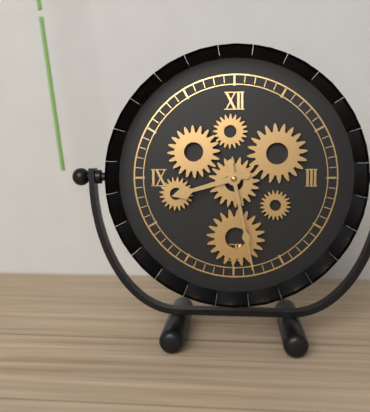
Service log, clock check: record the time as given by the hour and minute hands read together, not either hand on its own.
8:28
